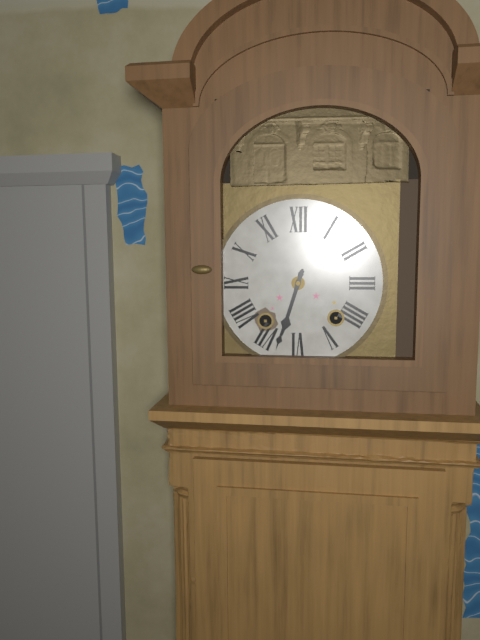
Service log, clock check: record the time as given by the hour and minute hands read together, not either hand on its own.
6:33
